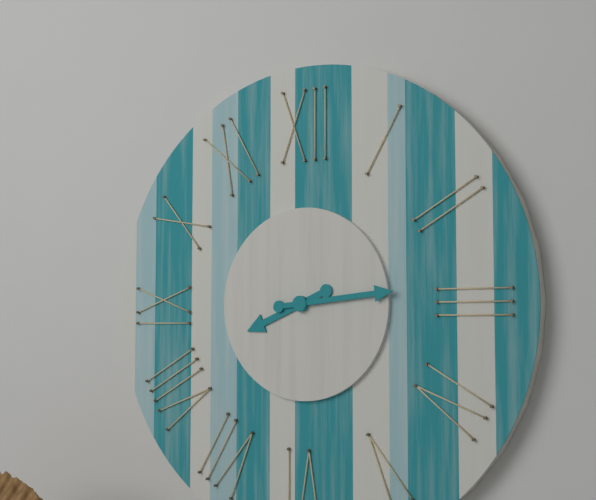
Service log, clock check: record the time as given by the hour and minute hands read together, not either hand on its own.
8:14
